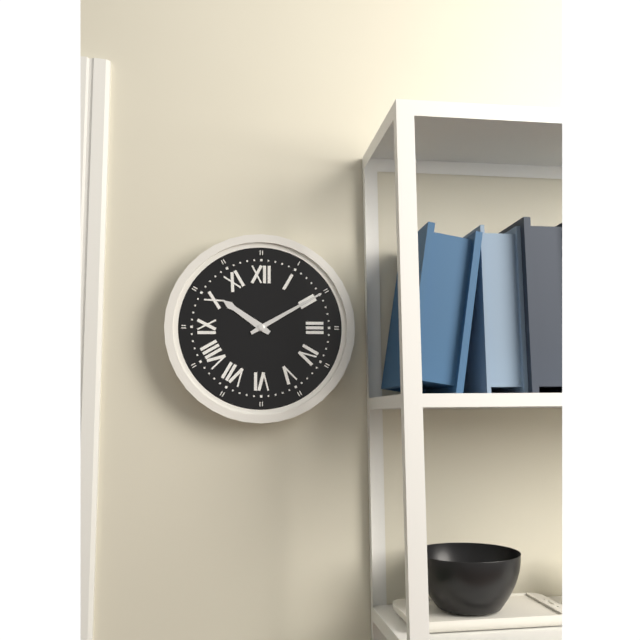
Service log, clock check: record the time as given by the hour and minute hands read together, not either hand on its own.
10:10
